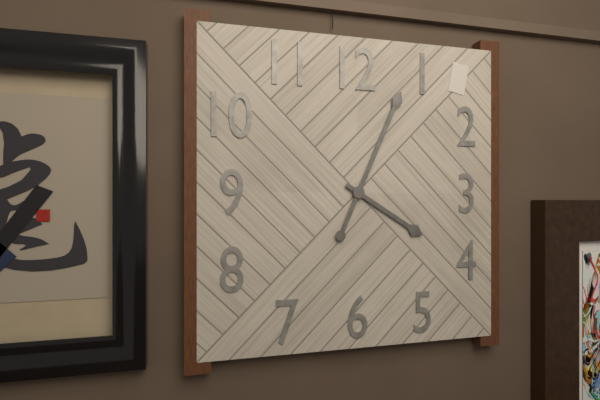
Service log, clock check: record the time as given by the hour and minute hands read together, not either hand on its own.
4:04
